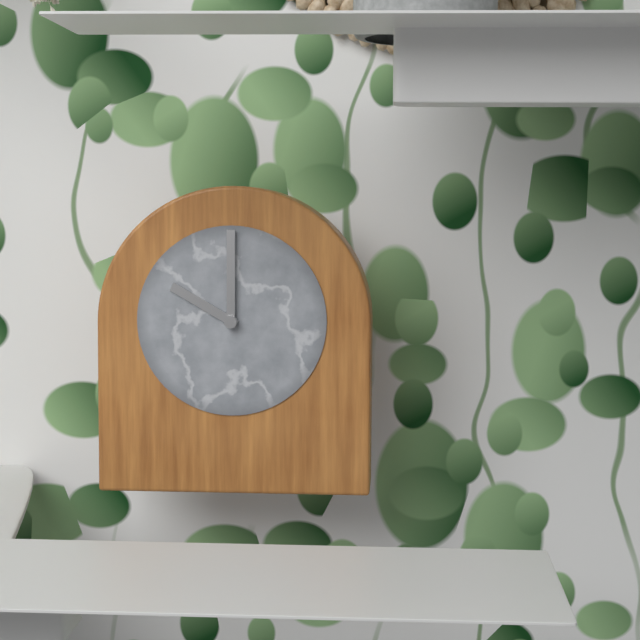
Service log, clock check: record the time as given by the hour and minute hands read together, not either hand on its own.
10:00
